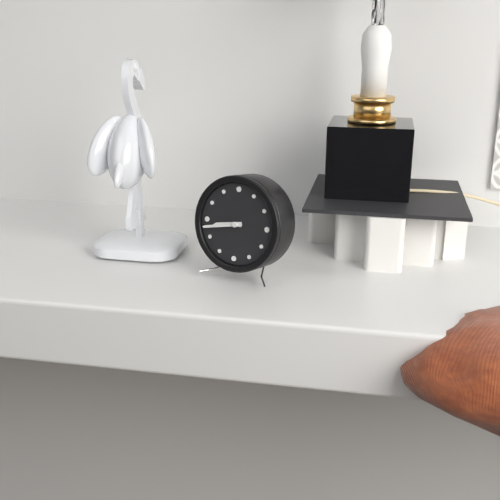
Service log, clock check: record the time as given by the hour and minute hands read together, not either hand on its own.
8:43
